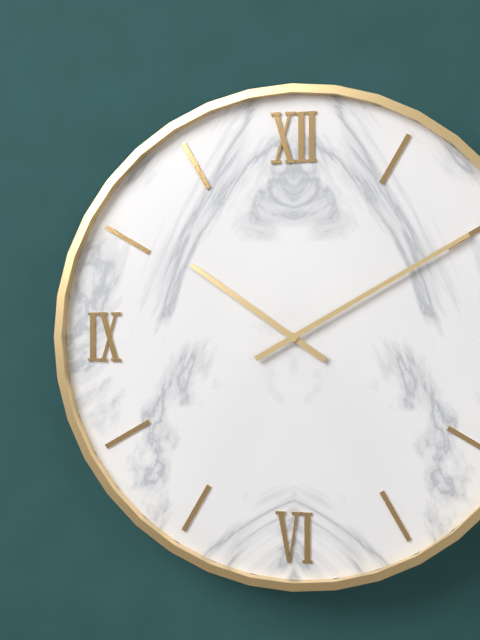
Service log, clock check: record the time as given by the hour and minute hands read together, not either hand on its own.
10:10
